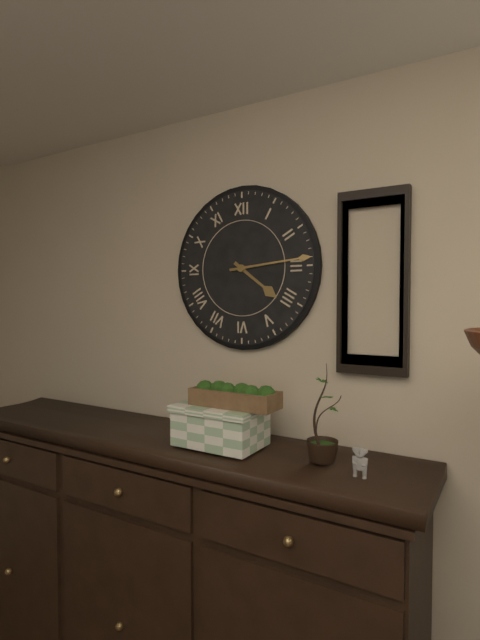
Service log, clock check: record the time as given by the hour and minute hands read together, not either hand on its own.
4:14
